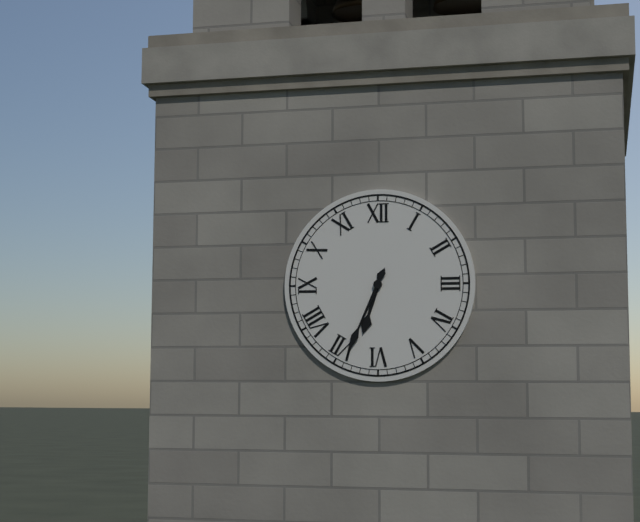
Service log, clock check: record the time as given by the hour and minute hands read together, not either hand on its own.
6:34
